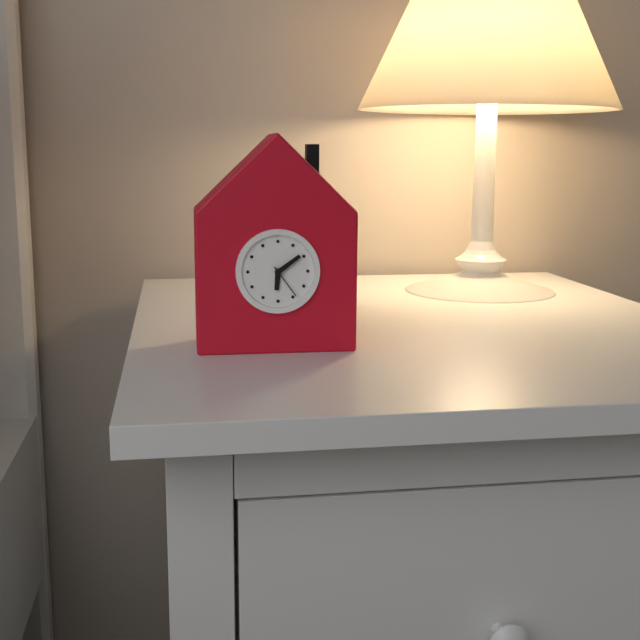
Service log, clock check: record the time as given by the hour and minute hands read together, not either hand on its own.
6:09
